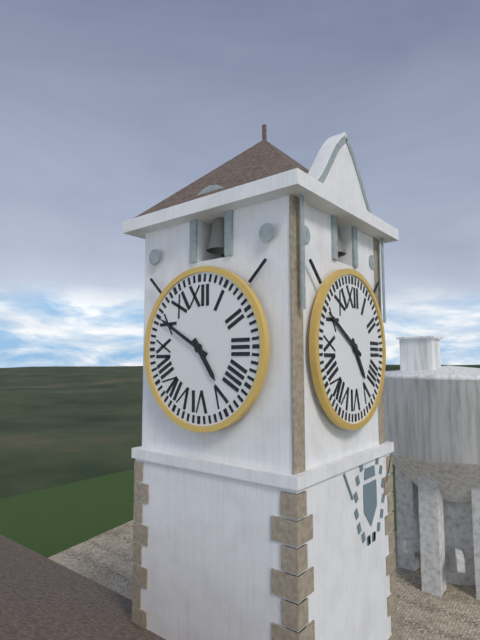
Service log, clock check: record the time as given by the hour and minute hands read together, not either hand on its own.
4:50
